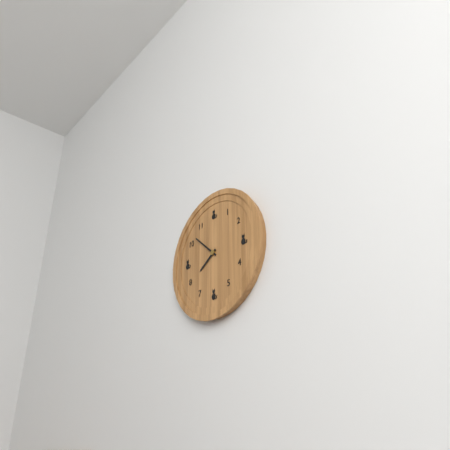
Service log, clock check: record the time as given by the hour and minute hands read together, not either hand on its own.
7:52
